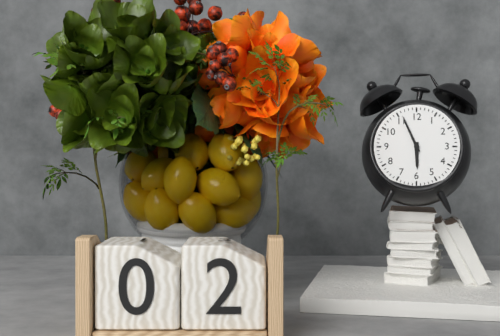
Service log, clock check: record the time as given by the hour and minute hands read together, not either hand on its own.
5:56
